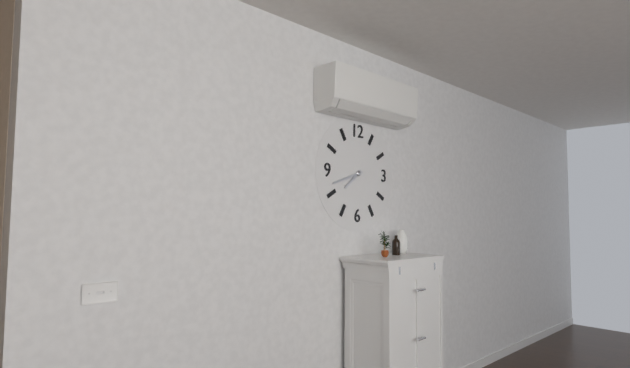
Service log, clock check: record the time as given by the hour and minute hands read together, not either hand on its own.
7:42
